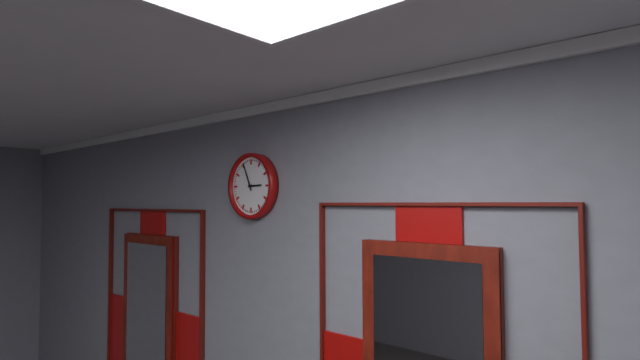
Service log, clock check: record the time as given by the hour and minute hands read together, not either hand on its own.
2:56
